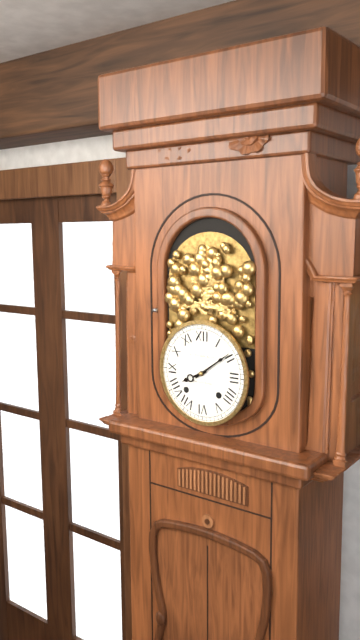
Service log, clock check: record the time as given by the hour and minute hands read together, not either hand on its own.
8:09
